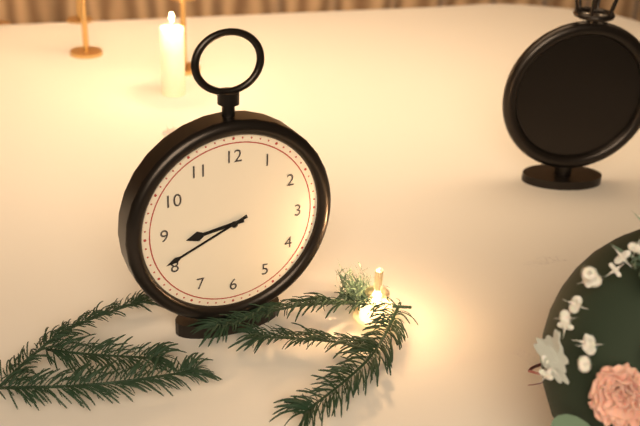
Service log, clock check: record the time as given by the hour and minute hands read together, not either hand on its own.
8:41
